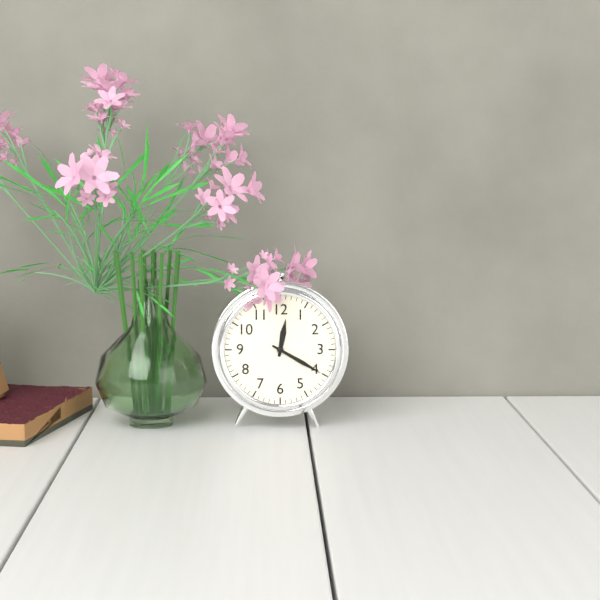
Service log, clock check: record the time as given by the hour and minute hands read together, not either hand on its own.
12:20
